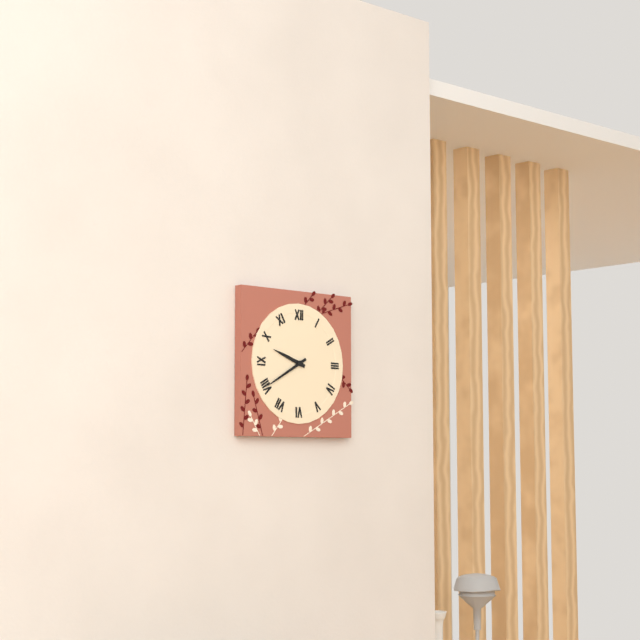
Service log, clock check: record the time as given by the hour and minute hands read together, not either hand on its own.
9:40
